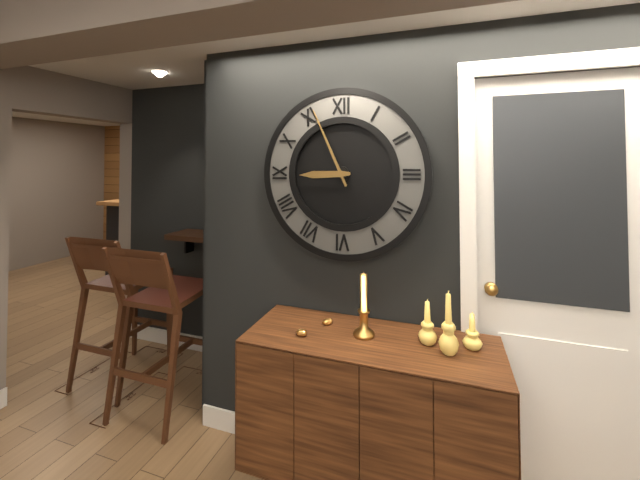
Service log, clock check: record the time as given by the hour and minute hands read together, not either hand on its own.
8:56
